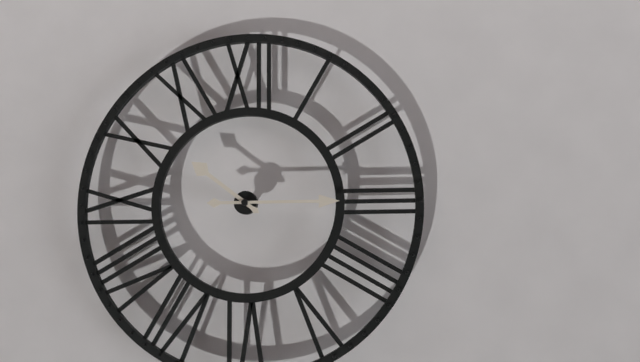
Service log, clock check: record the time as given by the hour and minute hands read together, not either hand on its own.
10:15
